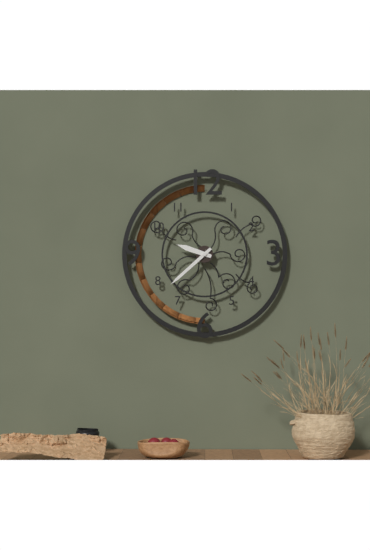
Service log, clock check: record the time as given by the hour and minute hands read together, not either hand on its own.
9:38
